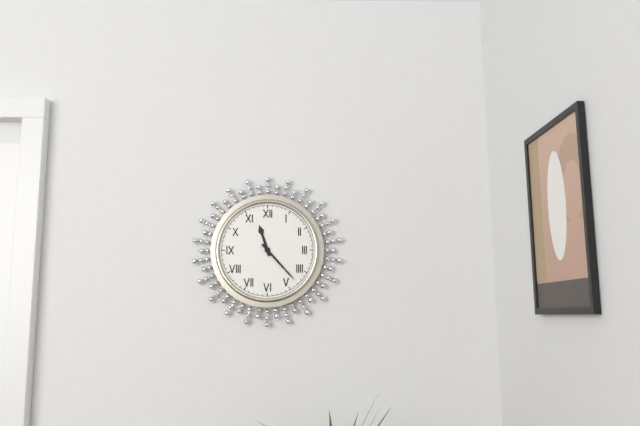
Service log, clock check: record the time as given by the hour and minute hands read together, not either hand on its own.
11:23
